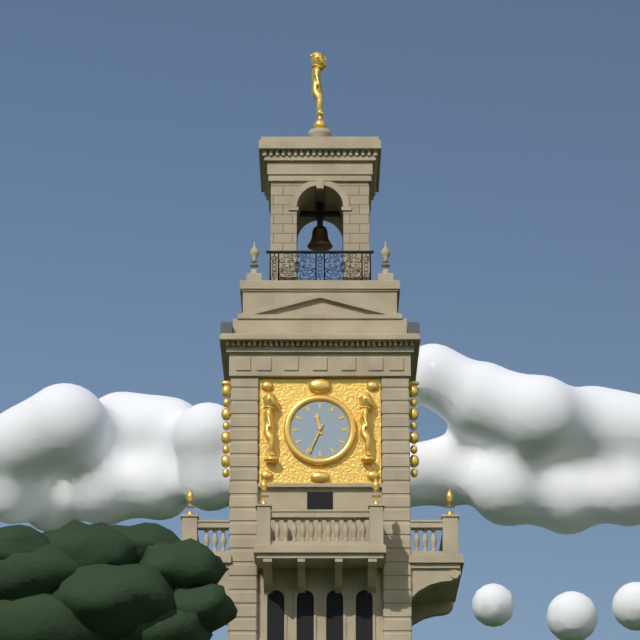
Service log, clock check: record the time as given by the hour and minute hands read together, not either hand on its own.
11:34
